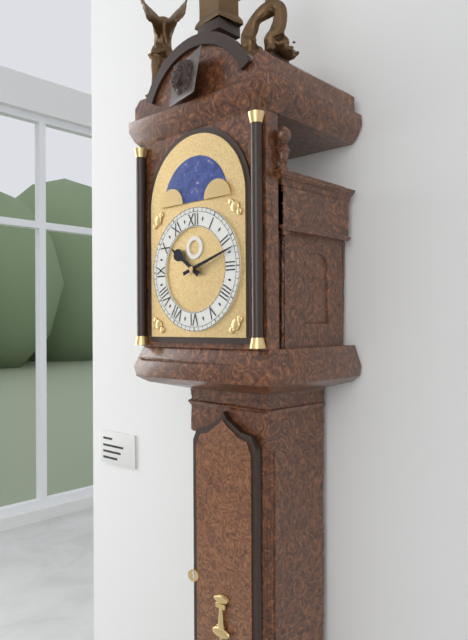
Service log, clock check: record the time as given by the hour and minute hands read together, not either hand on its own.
10:12
